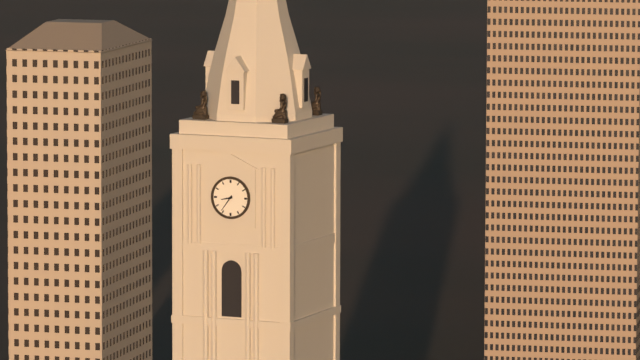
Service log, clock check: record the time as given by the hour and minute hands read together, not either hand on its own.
8:36
